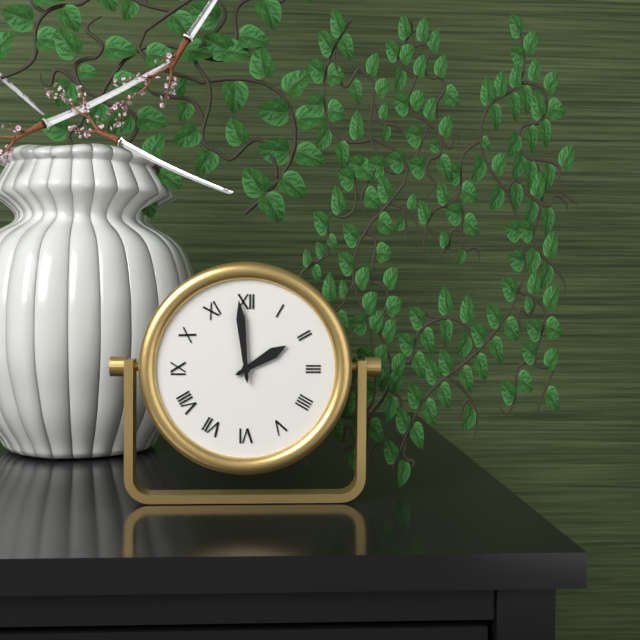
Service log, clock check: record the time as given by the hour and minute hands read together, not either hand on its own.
1:59
